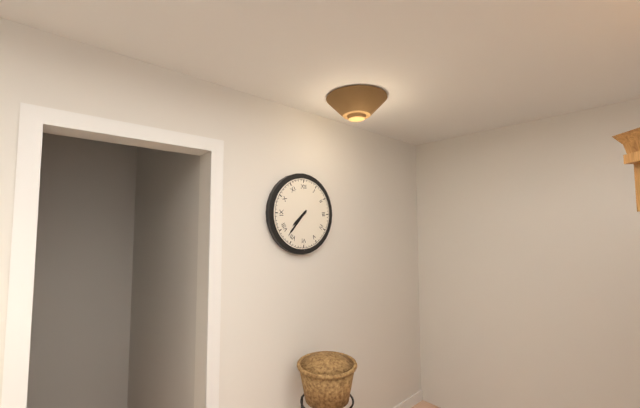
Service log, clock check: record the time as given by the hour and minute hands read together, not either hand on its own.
7:37
